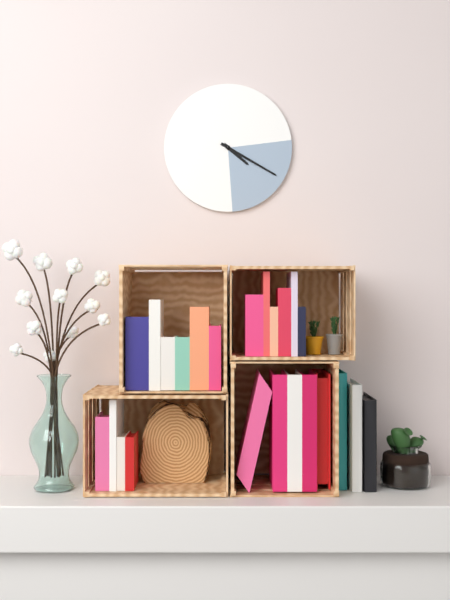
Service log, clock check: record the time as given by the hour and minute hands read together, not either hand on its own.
4:20
